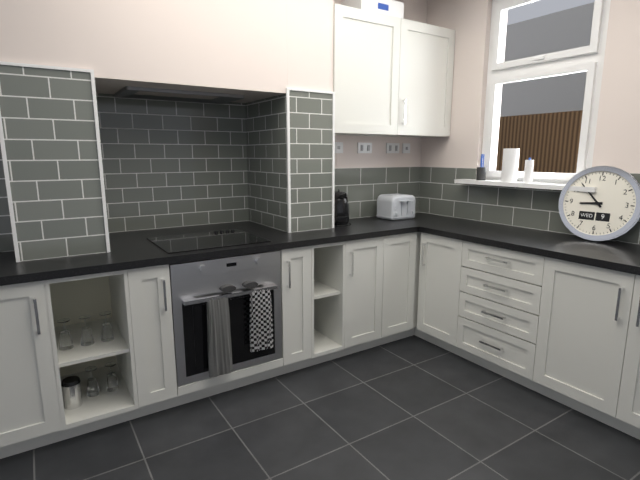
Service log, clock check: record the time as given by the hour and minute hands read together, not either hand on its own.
8:53
